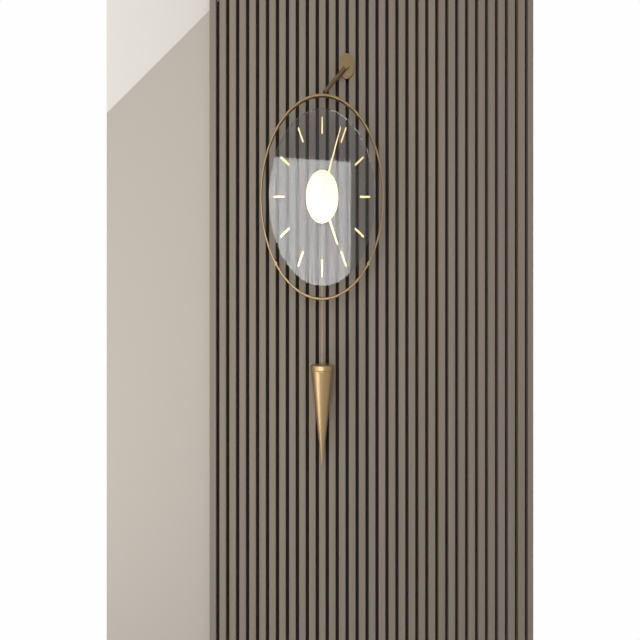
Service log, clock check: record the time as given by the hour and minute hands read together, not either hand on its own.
5:04
